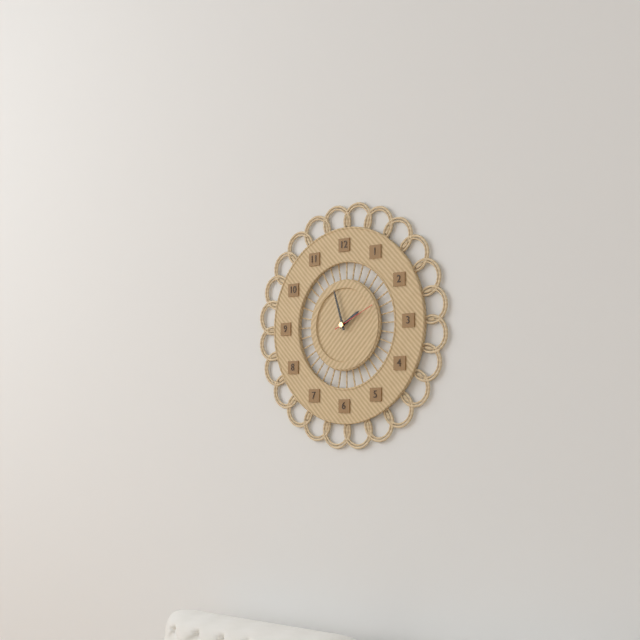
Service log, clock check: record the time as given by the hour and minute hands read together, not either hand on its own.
1:57
